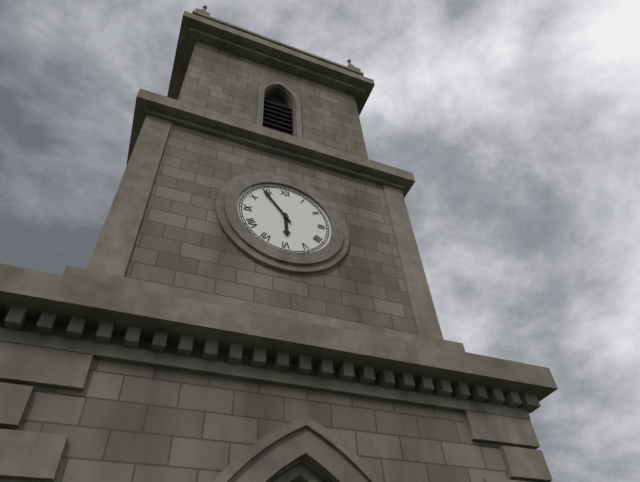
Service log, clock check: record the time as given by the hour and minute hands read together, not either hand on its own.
5:54
